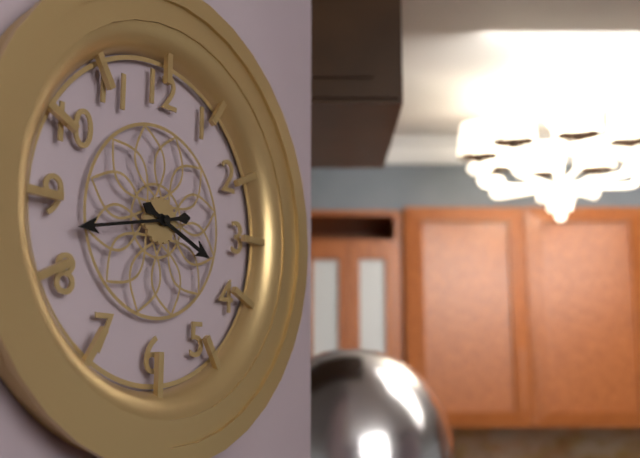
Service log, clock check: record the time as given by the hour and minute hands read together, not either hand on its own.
3:43
